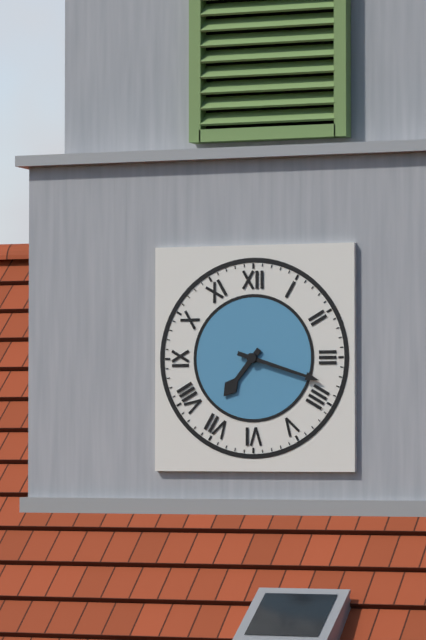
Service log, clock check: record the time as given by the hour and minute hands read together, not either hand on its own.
7:18
